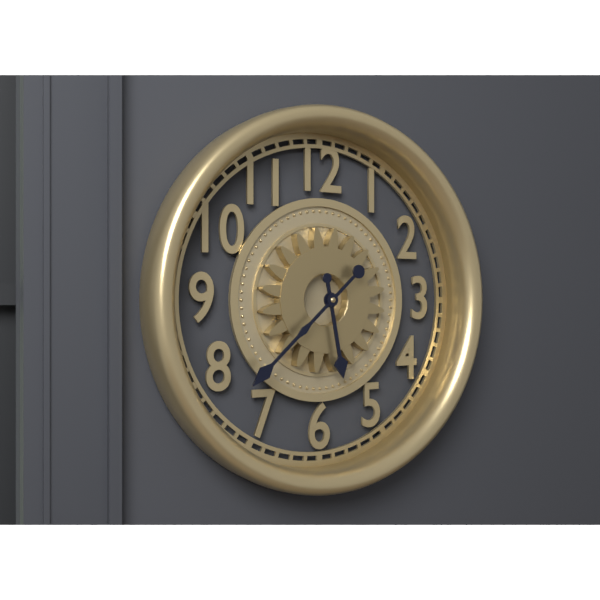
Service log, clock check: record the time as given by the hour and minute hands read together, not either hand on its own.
5:38
